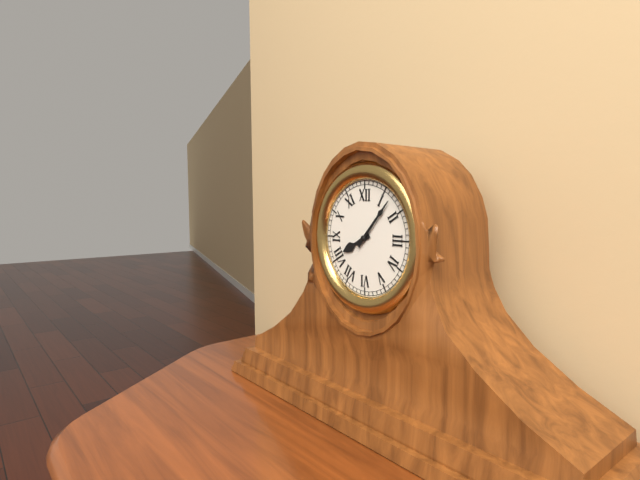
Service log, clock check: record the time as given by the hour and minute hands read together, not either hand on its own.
8:07
